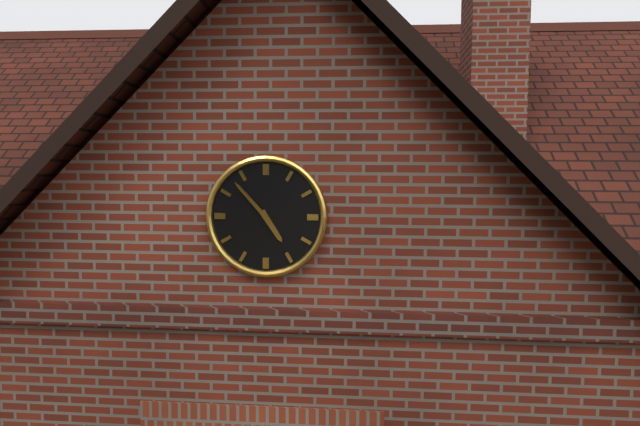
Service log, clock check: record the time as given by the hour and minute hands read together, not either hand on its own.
4:53
